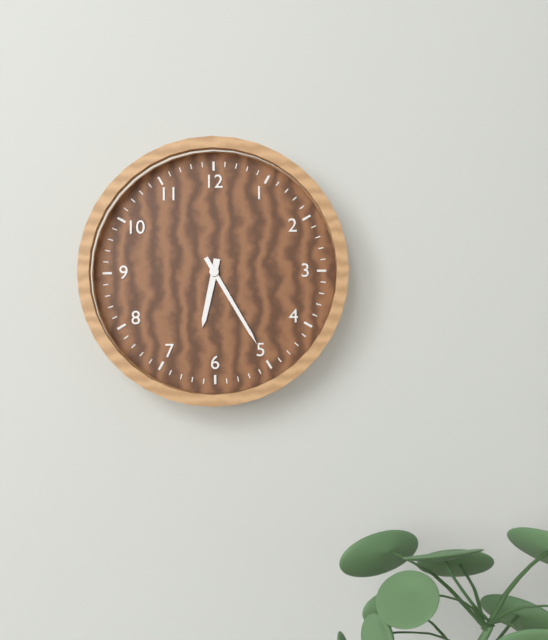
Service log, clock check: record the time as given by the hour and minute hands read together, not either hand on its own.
6:25
